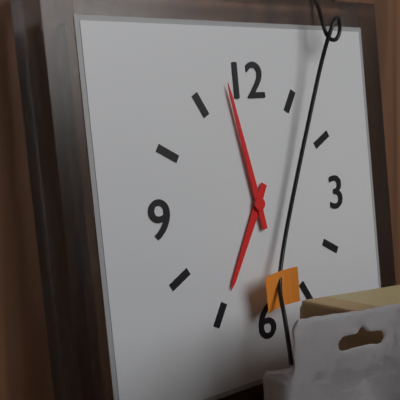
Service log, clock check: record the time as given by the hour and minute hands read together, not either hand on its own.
6:58
